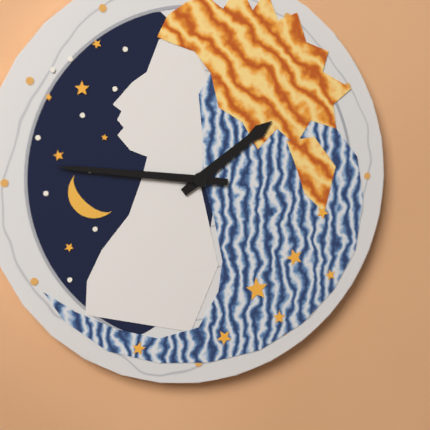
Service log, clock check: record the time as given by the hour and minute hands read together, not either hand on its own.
1:46
